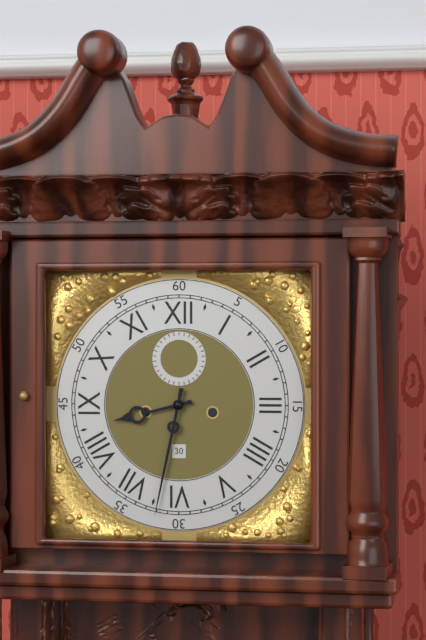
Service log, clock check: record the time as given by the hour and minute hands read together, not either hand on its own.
8:32
